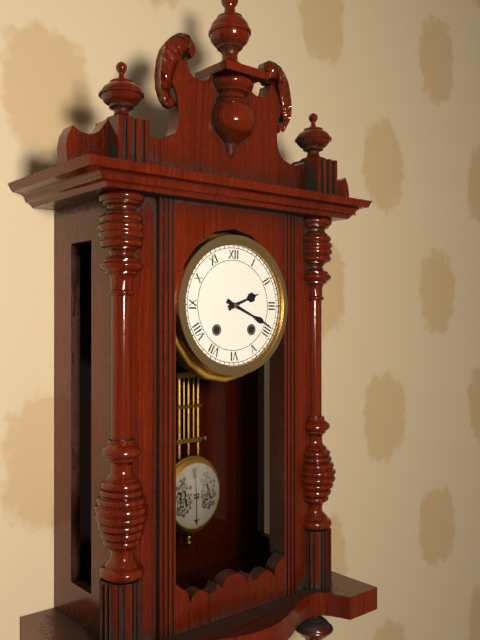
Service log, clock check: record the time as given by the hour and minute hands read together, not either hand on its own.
2:19
